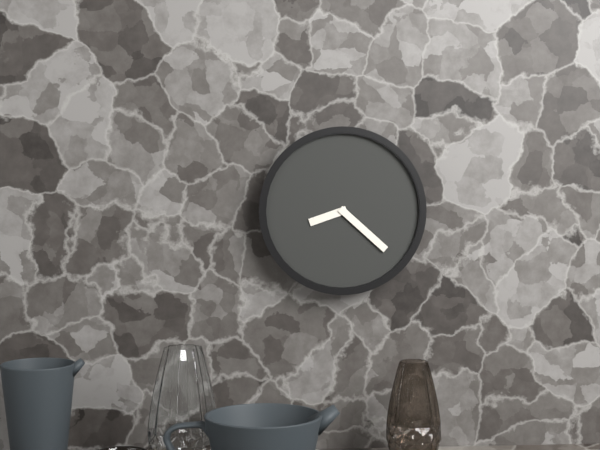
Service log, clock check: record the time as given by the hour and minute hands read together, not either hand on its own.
8:22
